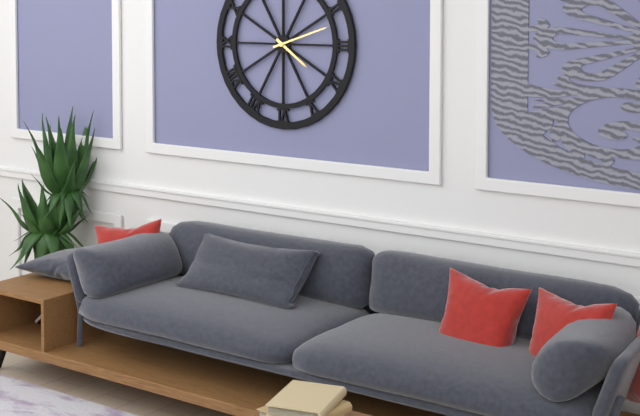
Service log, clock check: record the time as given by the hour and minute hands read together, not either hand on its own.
4:12
